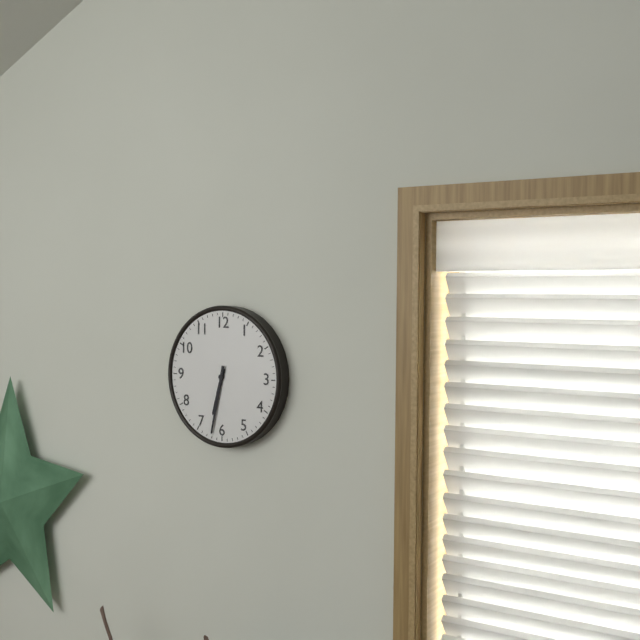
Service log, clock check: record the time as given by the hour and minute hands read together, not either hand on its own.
6:32
